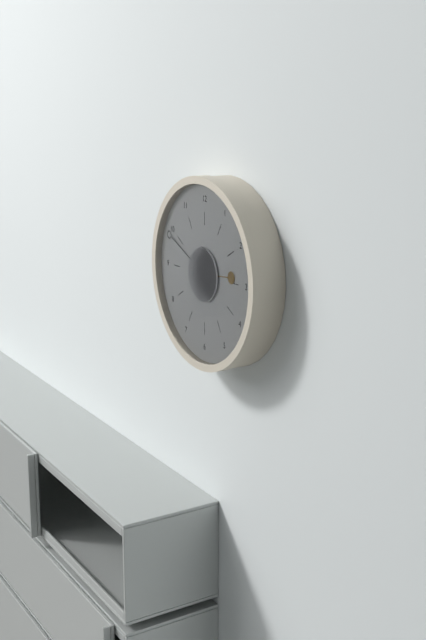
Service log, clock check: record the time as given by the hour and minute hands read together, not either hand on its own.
2:49
